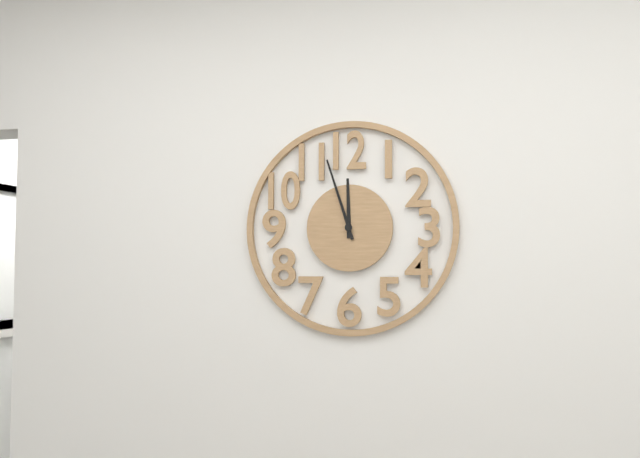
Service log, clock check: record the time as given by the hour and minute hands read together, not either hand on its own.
11:57
